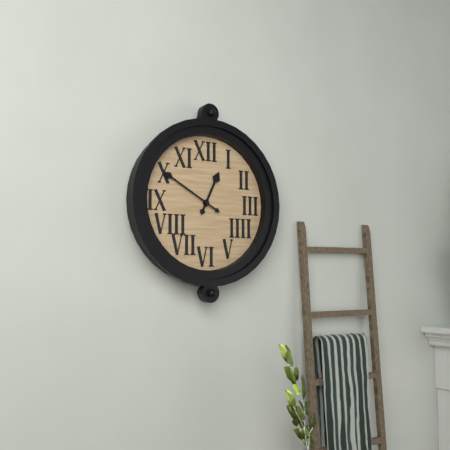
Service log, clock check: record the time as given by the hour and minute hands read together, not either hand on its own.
12:50
